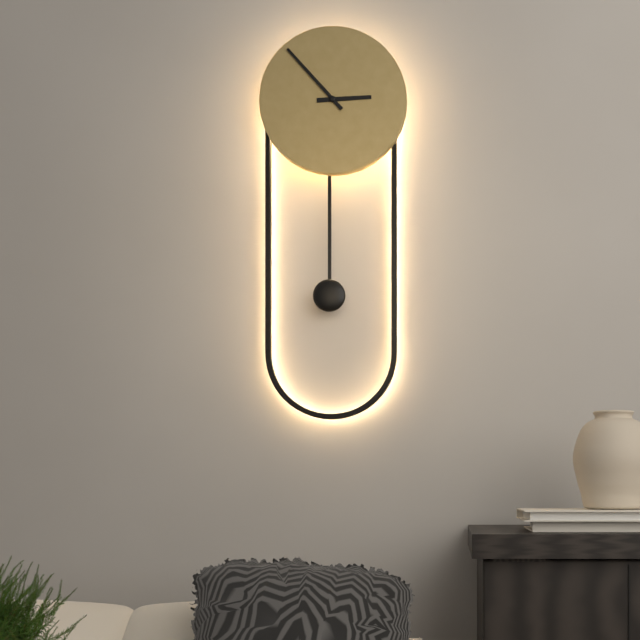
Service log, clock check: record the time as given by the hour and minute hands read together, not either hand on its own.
2:53
